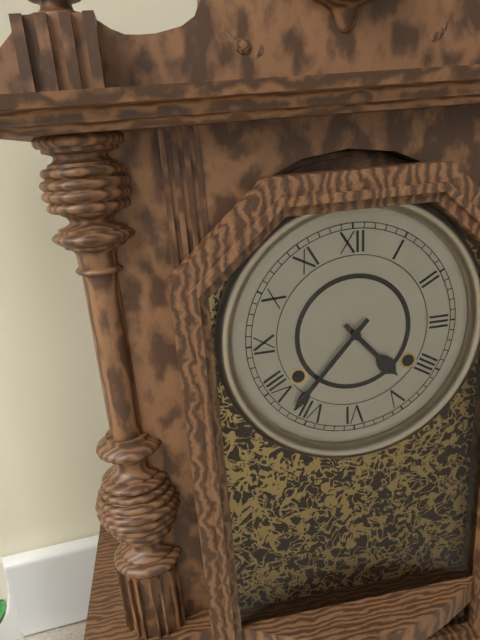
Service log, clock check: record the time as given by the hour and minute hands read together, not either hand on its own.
4:37
